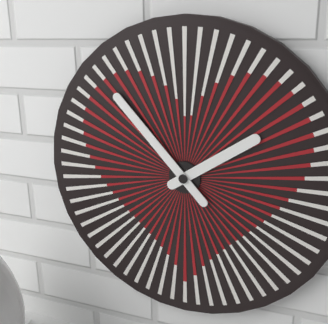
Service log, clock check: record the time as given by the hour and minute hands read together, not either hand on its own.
1:53
